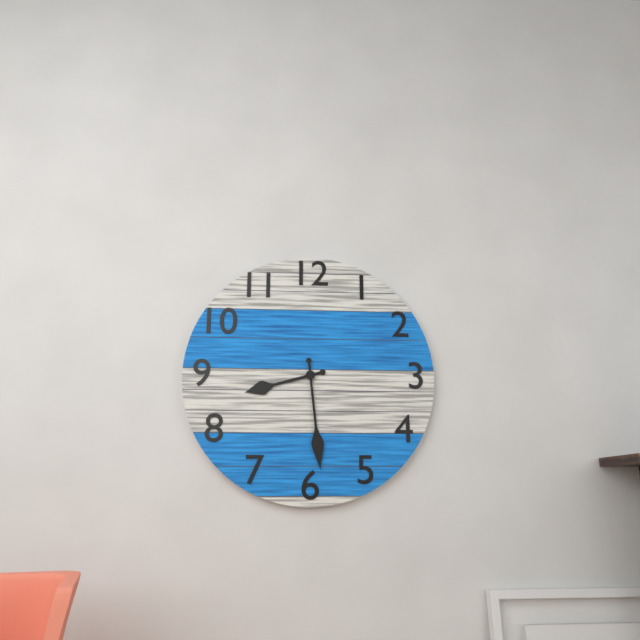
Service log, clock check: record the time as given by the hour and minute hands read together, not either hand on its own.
8:29
